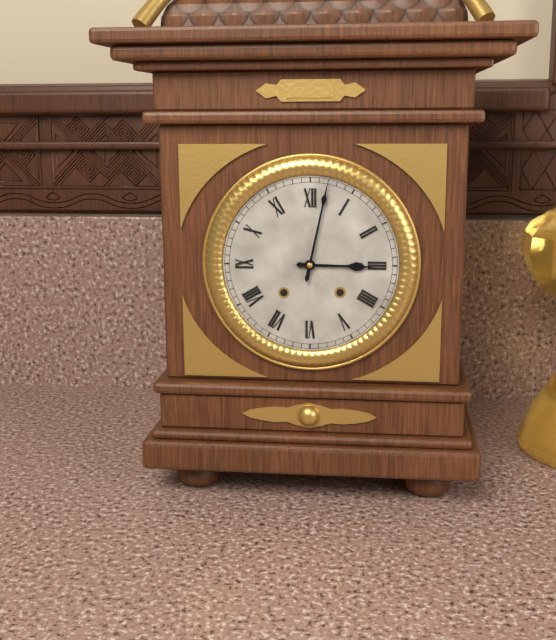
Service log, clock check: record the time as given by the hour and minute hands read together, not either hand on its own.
3:02
